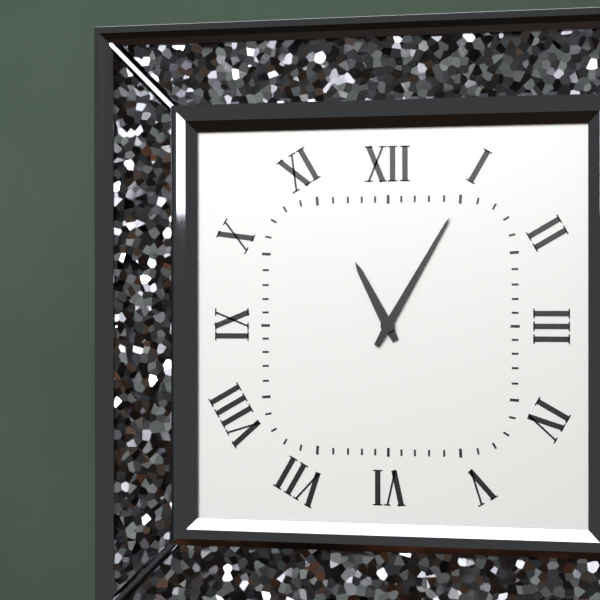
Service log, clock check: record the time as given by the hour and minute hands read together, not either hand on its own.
11:05
